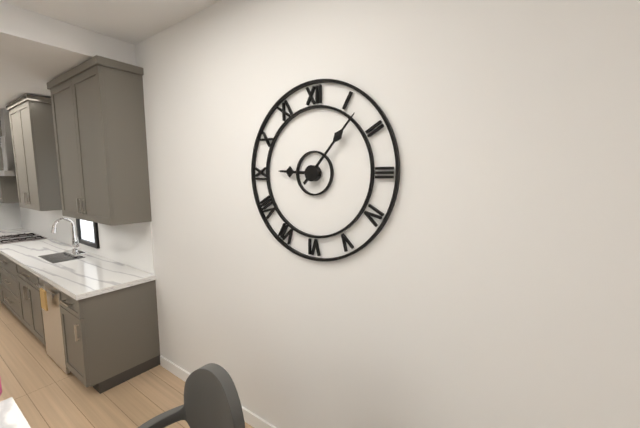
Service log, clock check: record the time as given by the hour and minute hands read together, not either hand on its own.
9:07
